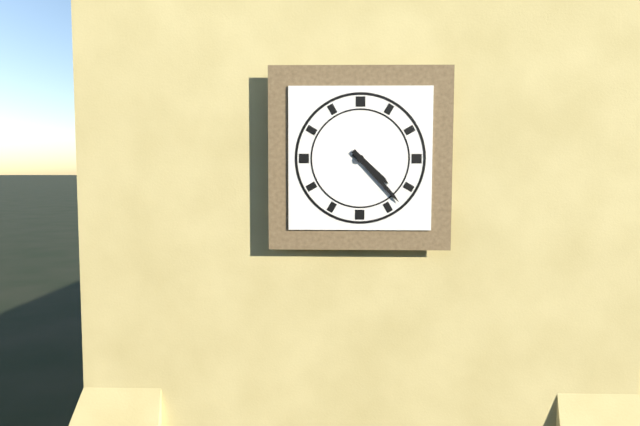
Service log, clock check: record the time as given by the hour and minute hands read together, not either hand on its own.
4:23
